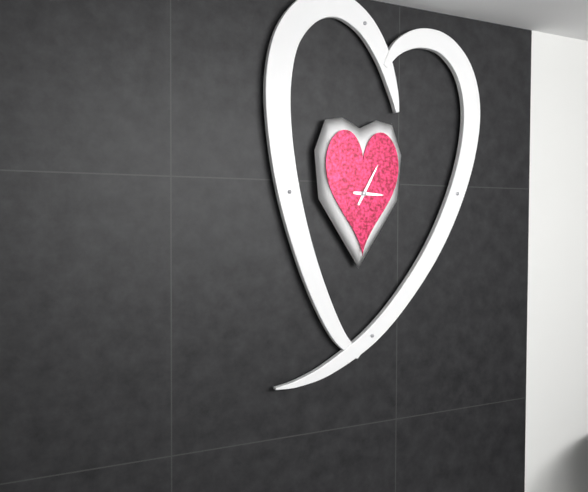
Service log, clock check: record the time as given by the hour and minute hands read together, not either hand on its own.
3:05
